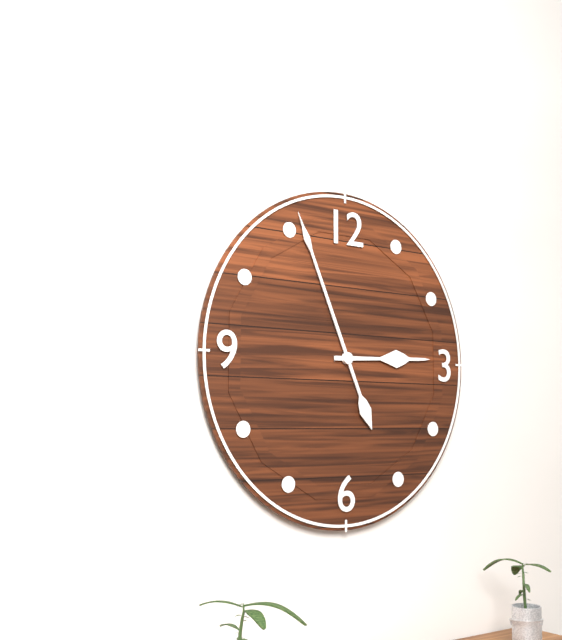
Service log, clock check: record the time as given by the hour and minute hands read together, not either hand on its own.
2:56
